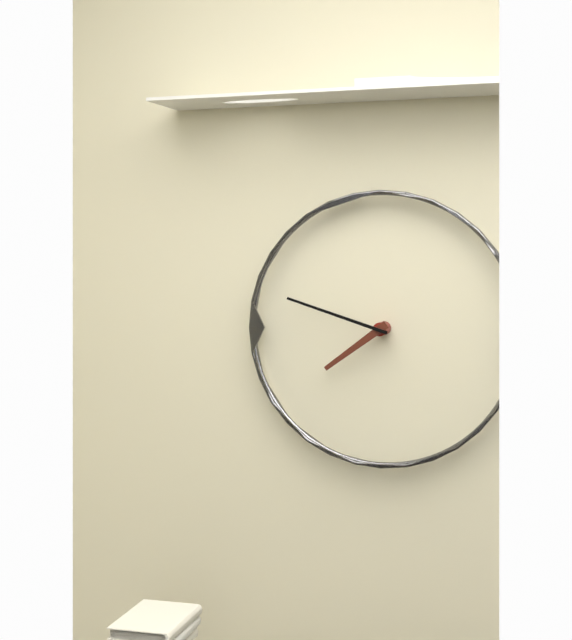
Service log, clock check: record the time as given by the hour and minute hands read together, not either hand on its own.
7:48
